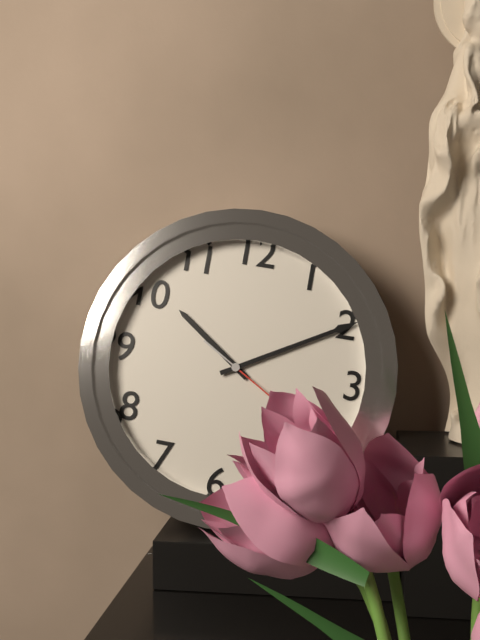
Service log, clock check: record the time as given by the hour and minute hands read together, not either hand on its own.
10:10
